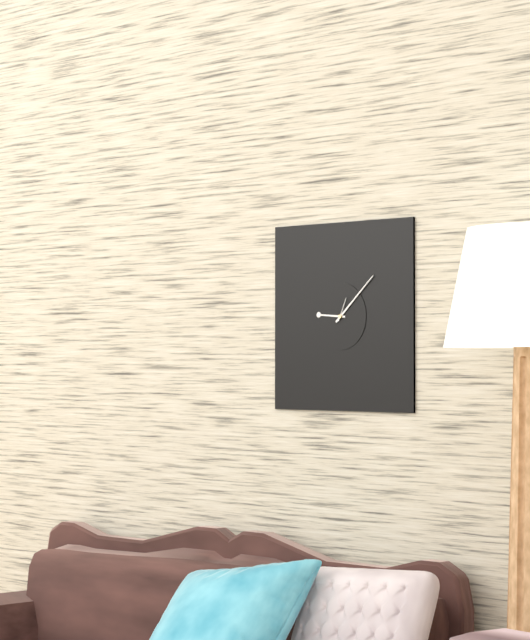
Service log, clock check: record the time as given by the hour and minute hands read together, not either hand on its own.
9:08
